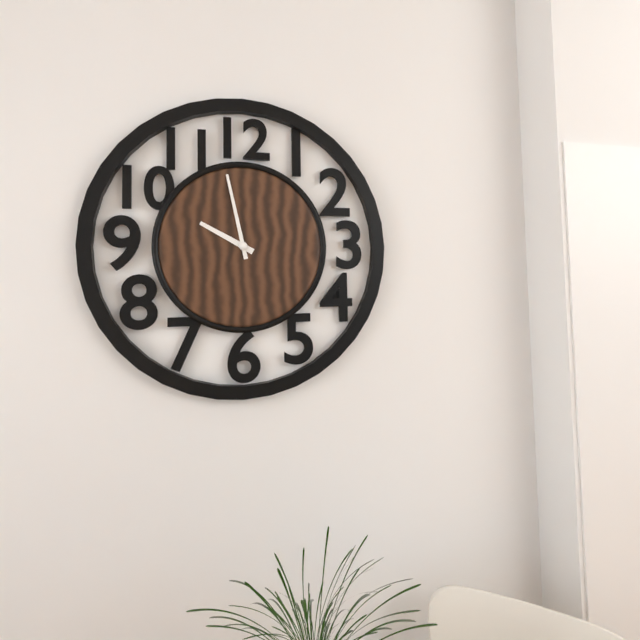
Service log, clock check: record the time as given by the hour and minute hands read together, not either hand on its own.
9:58
